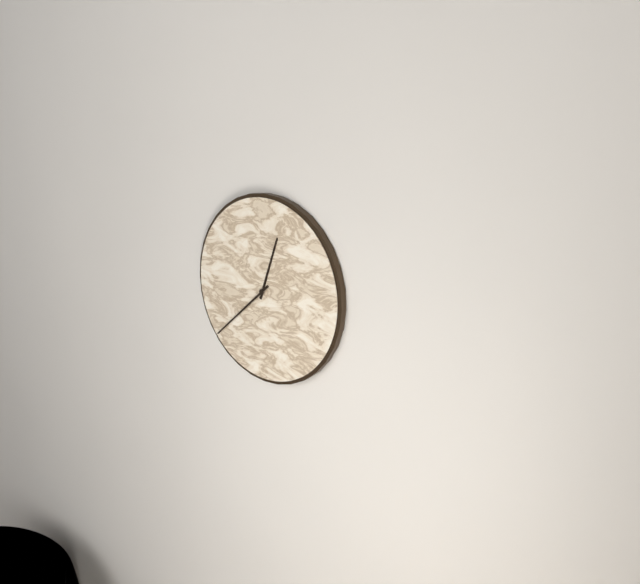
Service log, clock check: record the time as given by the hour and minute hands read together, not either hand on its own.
12:38
